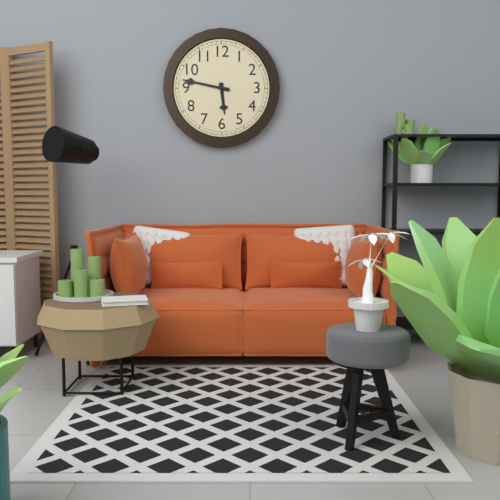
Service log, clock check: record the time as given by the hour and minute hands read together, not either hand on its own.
5:47
